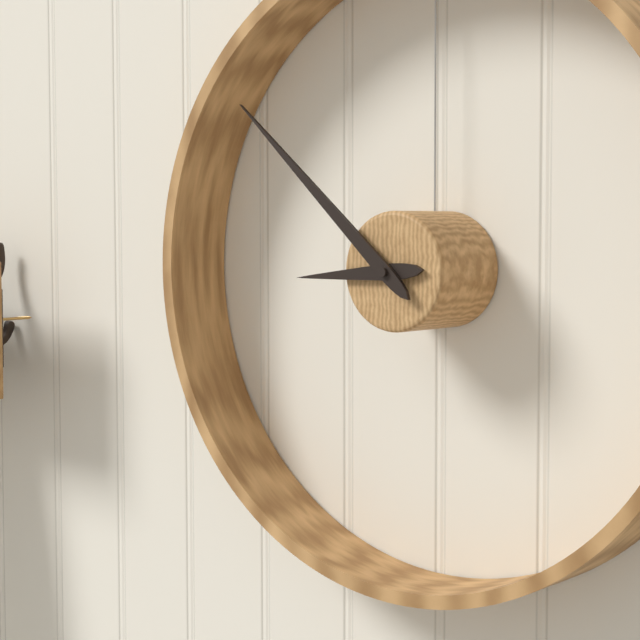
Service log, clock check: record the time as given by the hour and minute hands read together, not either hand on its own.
8:52
